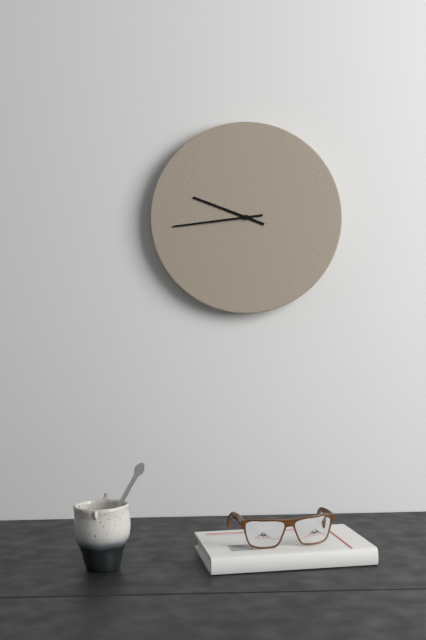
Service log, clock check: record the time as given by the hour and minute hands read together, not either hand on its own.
9:44
